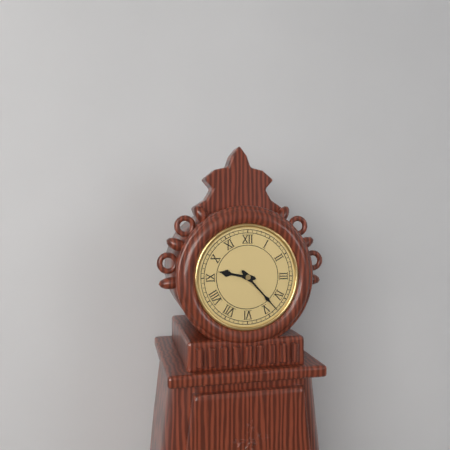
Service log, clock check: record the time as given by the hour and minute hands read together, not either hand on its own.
9:23
